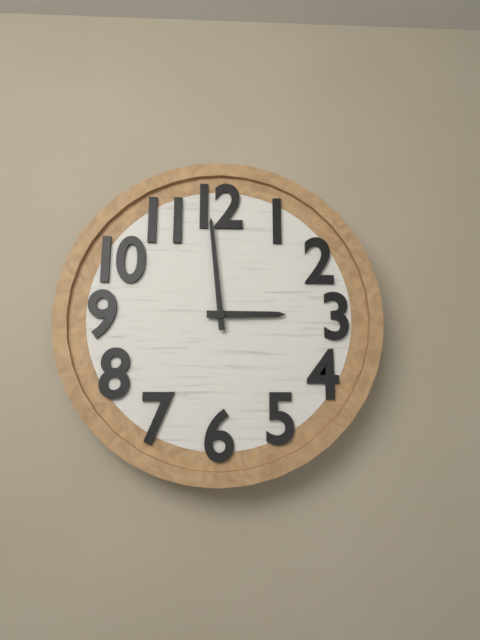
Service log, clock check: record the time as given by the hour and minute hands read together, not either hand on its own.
2:59
